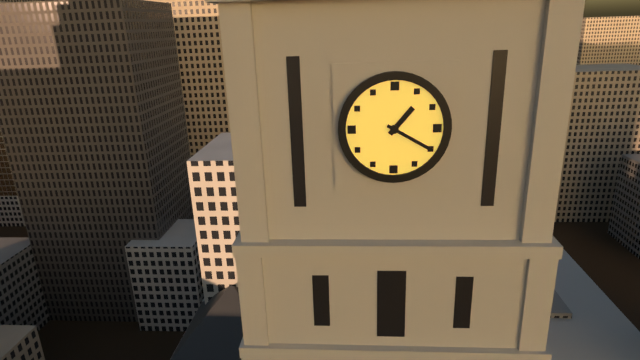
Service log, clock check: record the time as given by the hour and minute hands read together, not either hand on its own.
1:20
